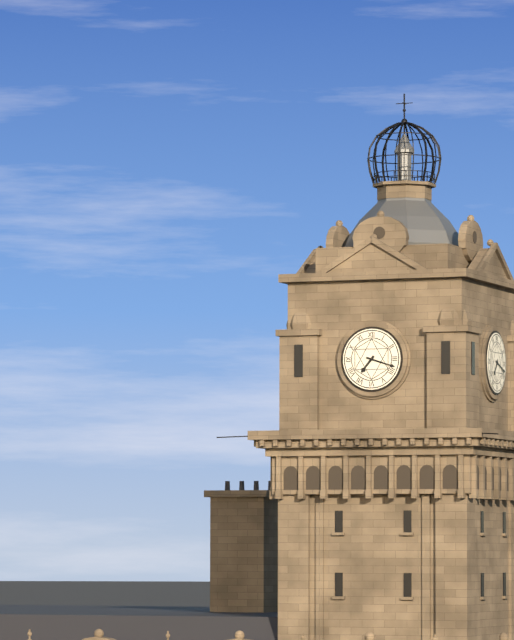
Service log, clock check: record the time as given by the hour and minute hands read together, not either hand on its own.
7:18
